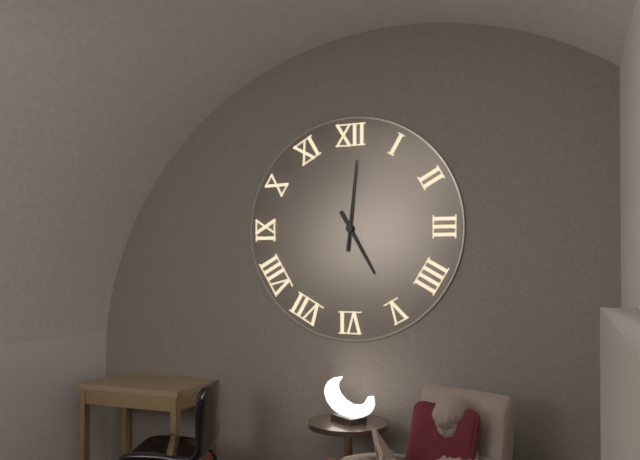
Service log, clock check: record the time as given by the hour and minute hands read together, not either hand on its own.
5:01
